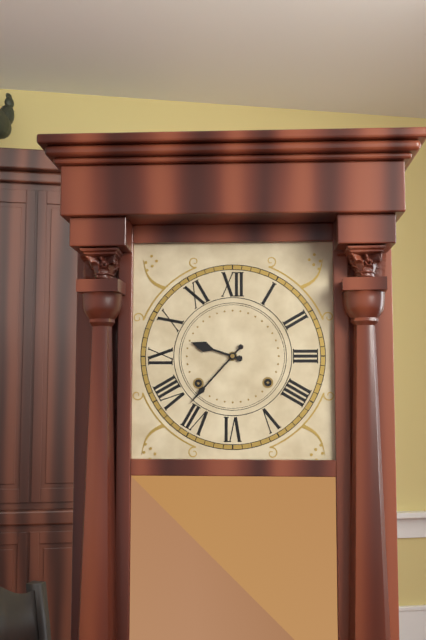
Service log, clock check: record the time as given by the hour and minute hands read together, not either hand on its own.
9:37
